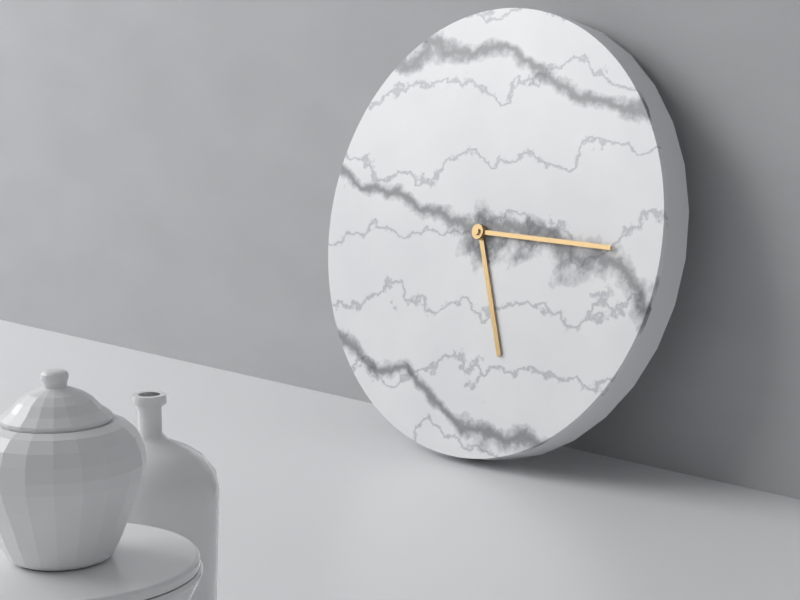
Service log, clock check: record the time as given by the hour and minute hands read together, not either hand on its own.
5:15
